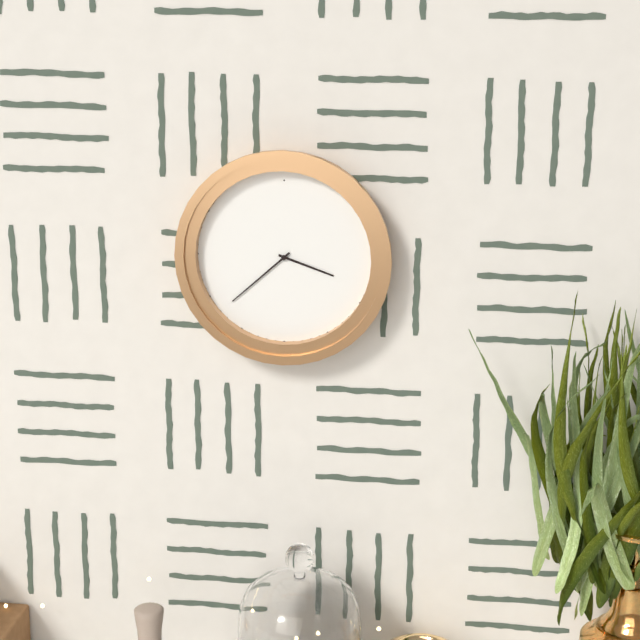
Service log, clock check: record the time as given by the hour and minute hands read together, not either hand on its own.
3:38
